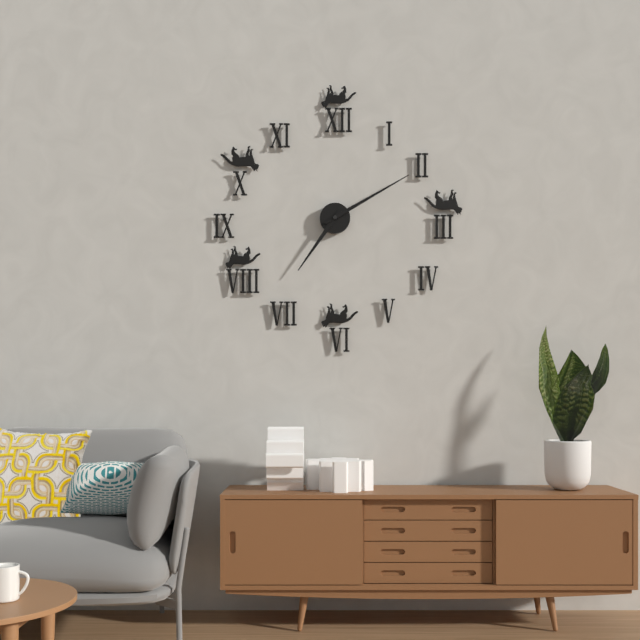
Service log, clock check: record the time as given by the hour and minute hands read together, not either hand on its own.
7:10
